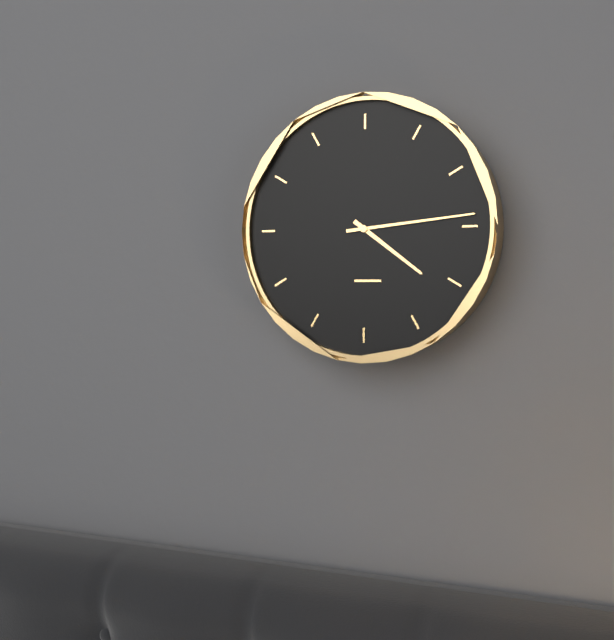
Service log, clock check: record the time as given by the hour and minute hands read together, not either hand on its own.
4:14
